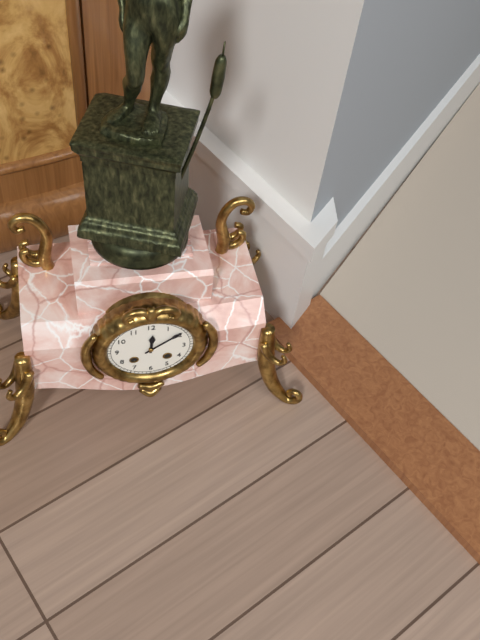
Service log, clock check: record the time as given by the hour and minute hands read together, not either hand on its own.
12:09
